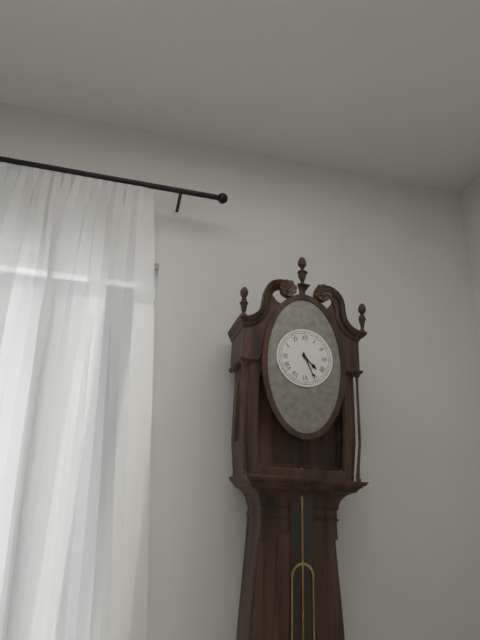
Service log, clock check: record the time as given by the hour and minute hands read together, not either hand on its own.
4:26
